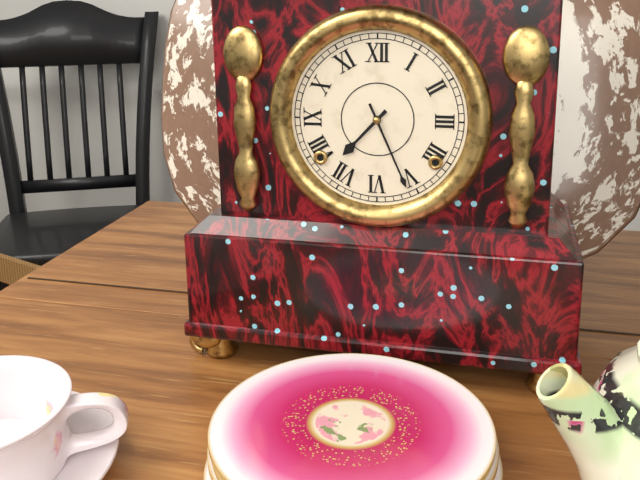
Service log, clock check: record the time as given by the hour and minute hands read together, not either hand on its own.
7:26
